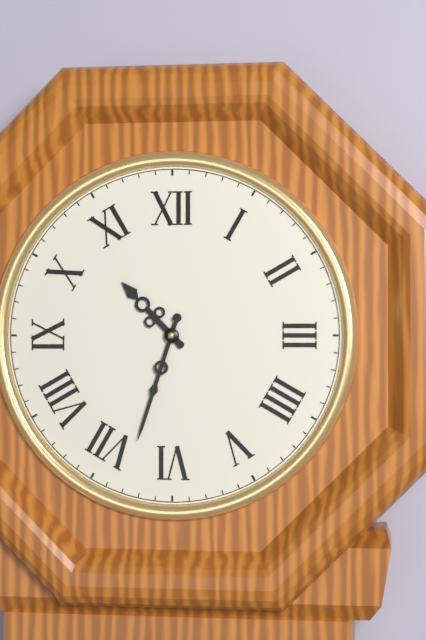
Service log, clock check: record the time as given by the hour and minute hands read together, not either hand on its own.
10:33
